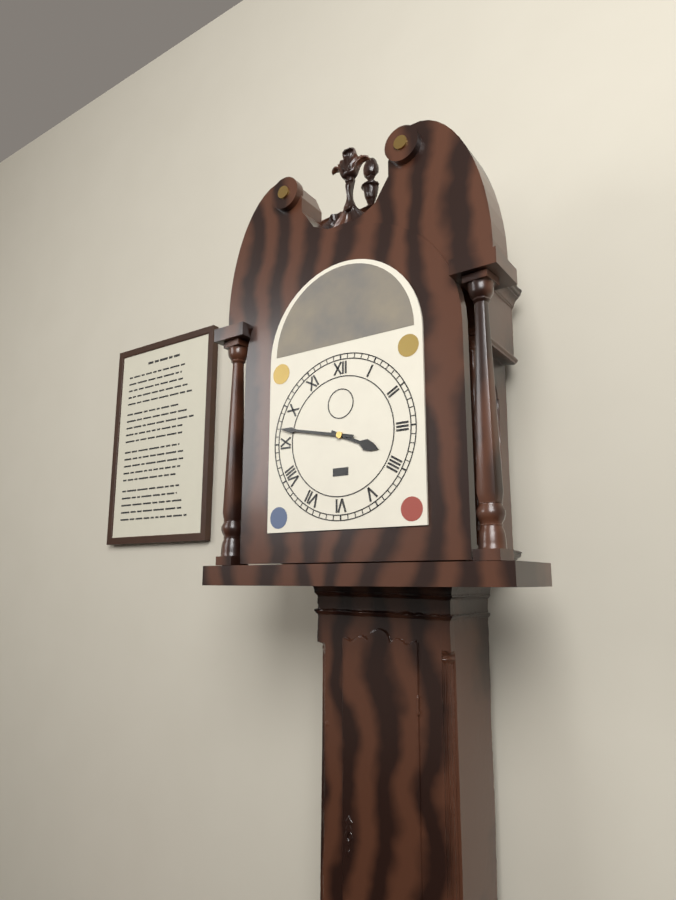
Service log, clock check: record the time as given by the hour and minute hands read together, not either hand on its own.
3:47
